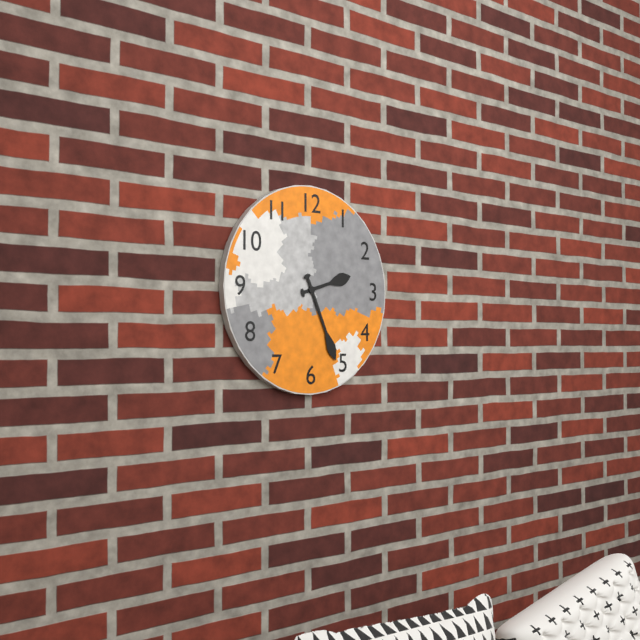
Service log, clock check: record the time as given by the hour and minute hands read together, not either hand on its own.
2:26
